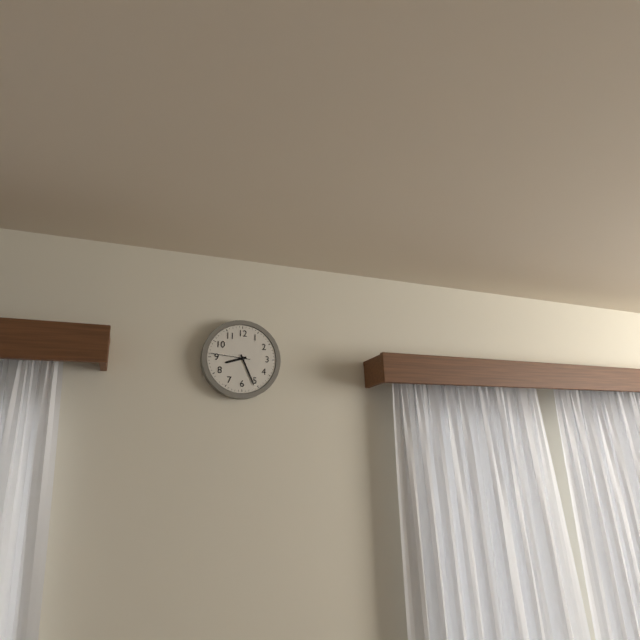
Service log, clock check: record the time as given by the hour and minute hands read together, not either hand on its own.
8:26
